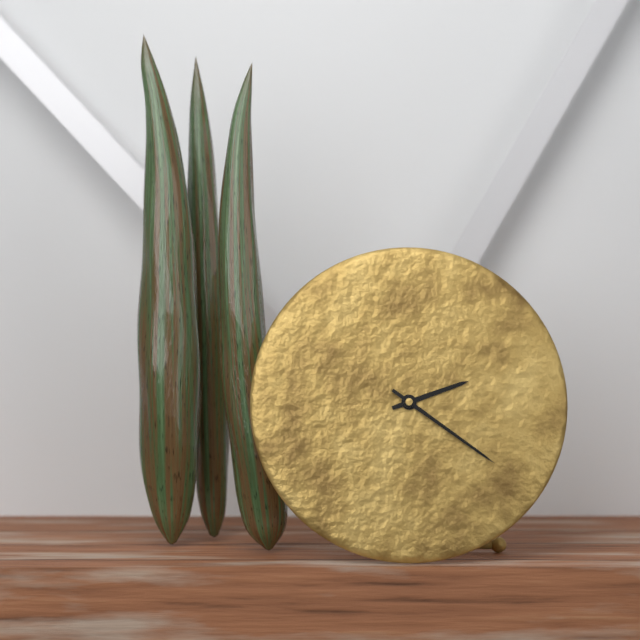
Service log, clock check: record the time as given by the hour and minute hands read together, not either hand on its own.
2:21
